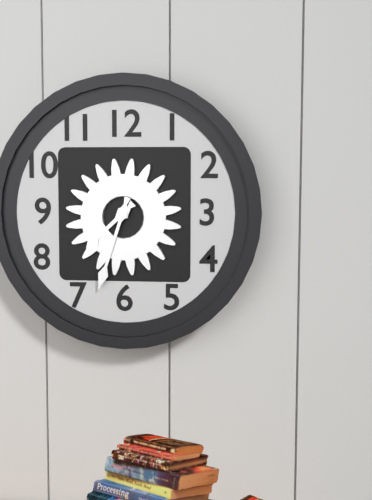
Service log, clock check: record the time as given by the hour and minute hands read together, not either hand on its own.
7:33
